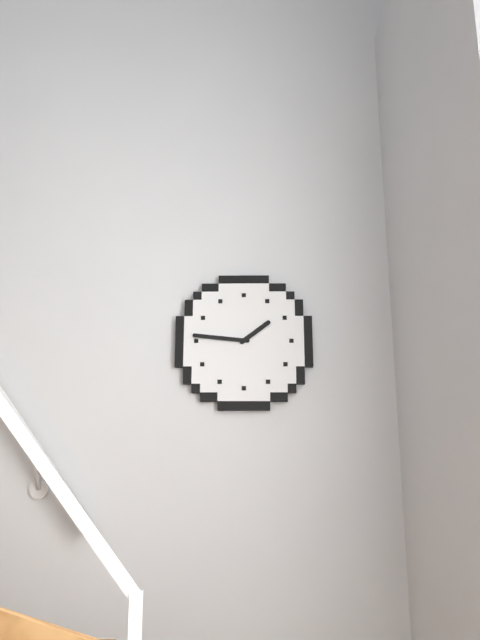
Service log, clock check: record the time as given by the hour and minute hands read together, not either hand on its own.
1:46
